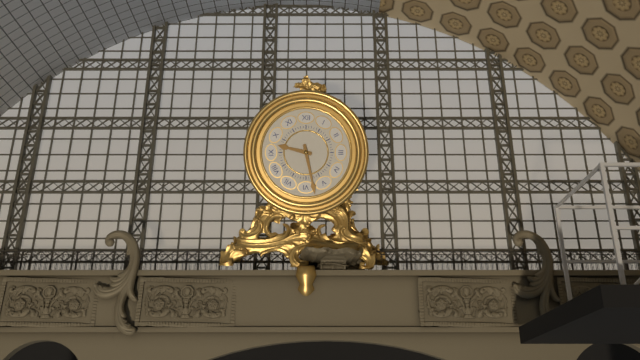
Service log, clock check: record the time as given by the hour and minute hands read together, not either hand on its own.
9:28
